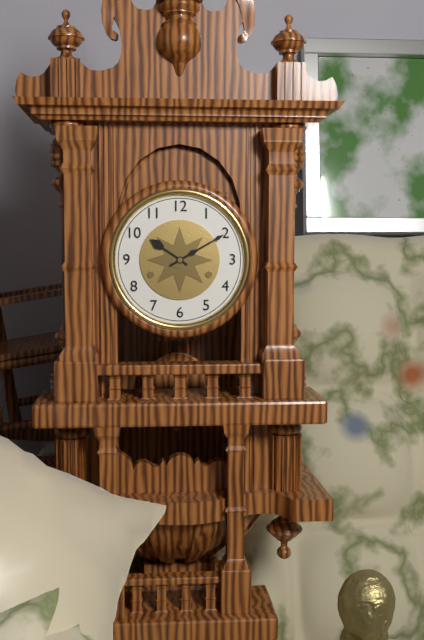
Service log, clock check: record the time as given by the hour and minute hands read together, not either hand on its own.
10:10
